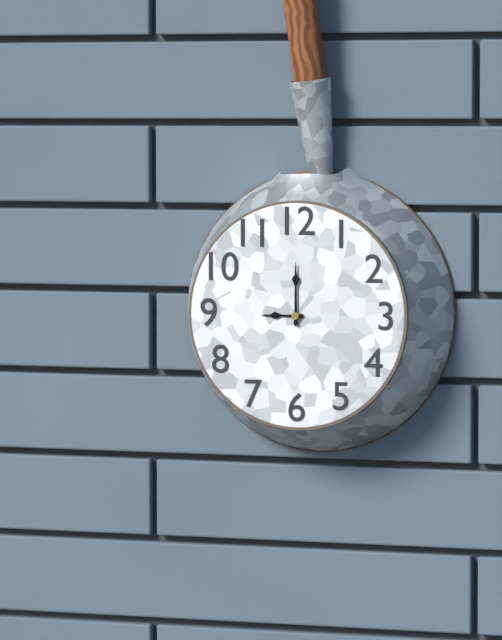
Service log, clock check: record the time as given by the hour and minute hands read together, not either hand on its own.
9:00
